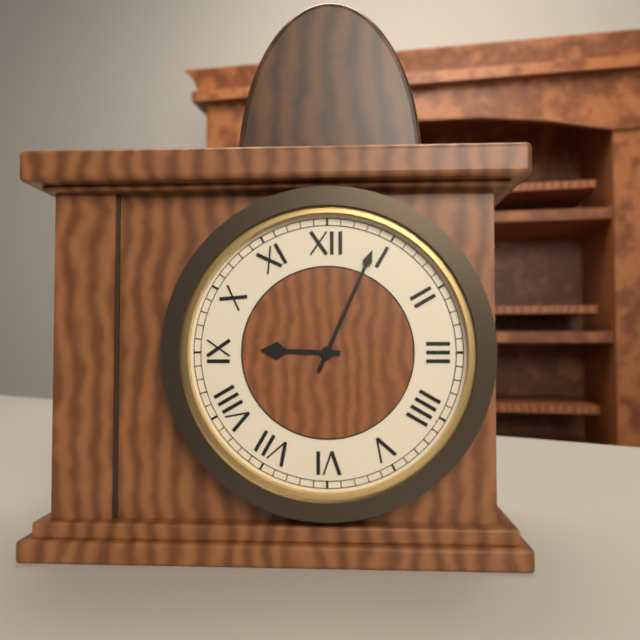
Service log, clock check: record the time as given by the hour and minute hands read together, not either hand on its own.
9:04
